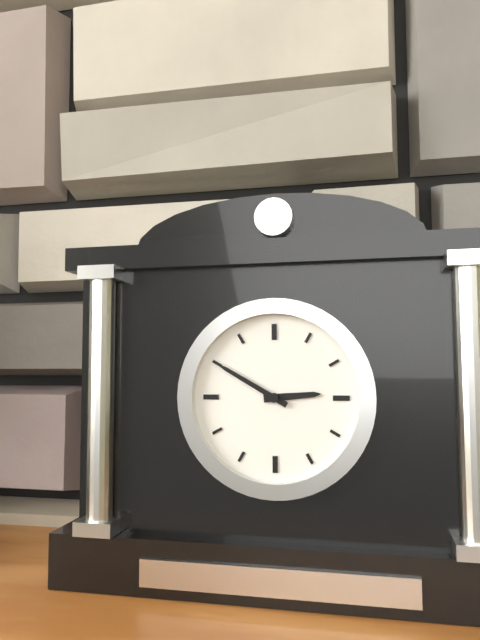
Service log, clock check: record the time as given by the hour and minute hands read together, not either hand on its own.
2:50
